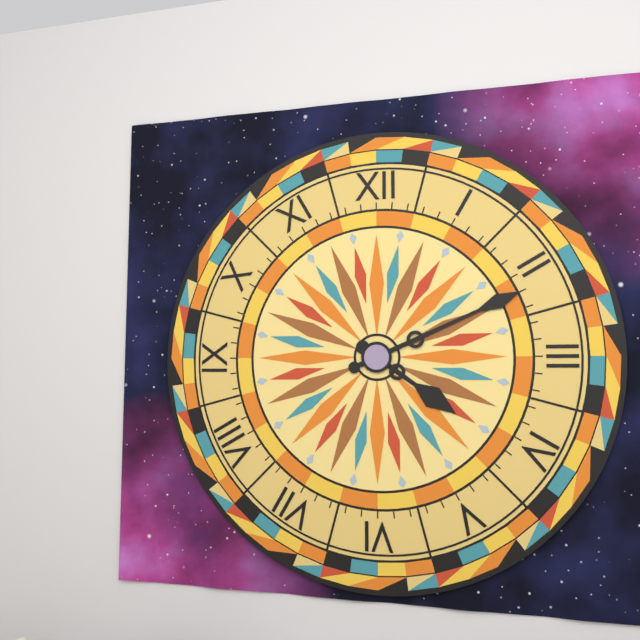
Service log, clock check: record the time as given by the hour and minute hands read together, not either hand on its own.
4:11
